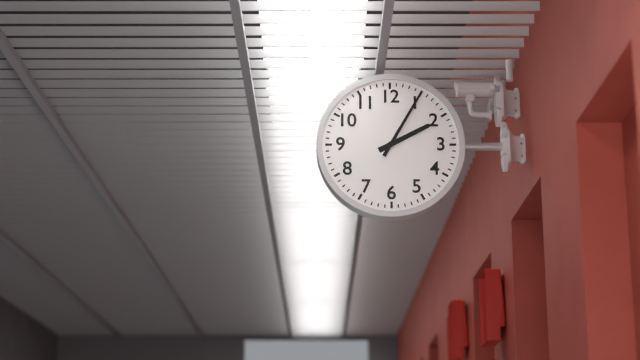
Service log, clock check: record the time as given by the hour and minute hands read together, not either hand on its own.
2:05
